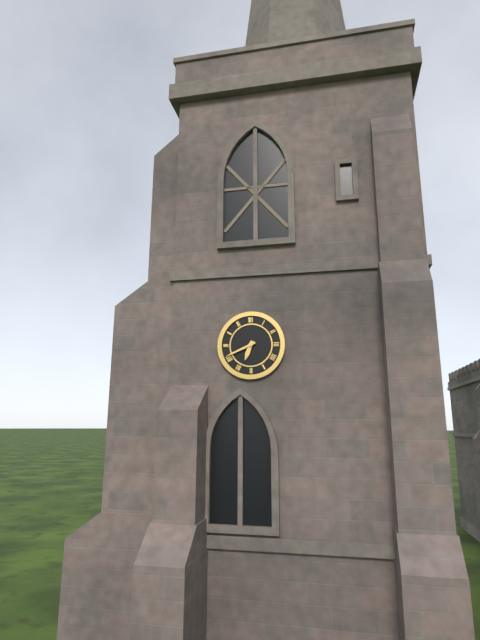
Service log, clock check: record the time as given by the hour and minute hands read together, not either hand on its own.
6:41
